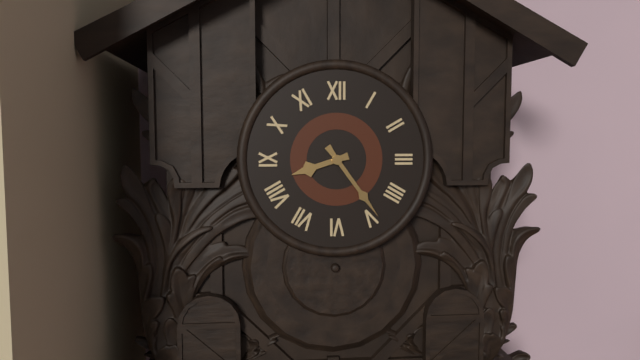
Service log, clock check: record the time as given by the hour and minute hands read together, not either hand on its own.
8:24
